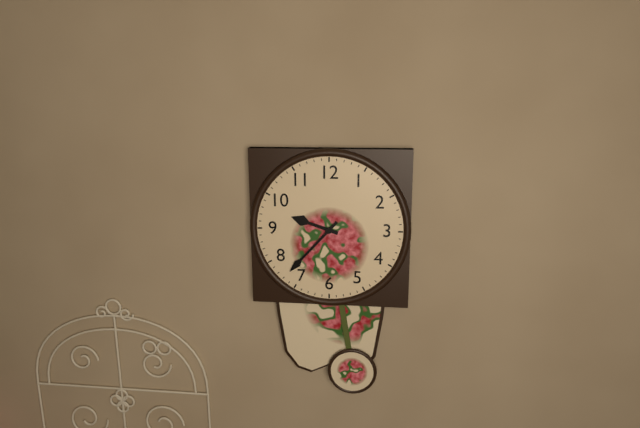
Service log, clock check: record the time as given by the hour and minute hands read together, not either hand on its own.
9:37
